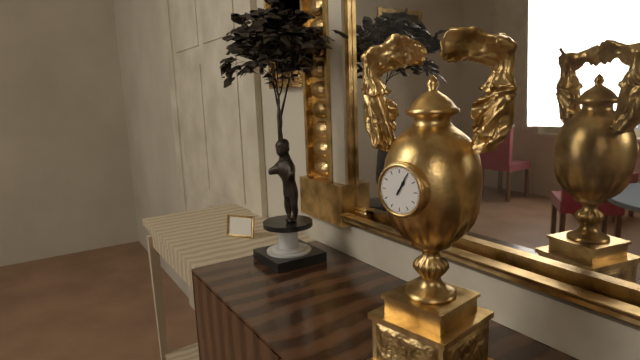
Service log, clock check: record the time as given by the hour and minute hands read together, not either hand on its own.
1:05
